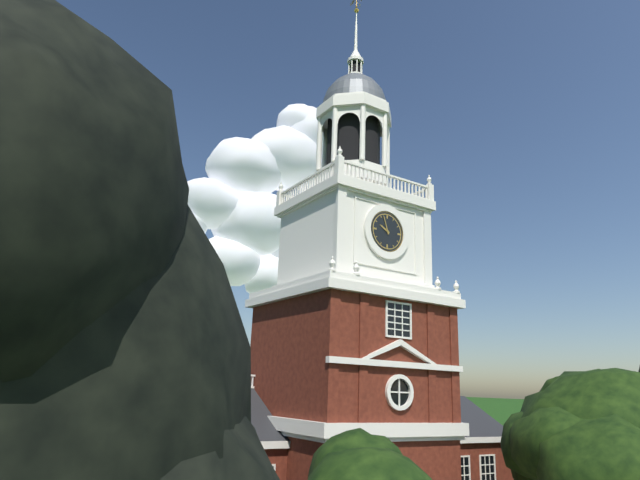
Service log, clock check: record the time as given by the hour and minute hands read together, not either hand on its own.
9:57
